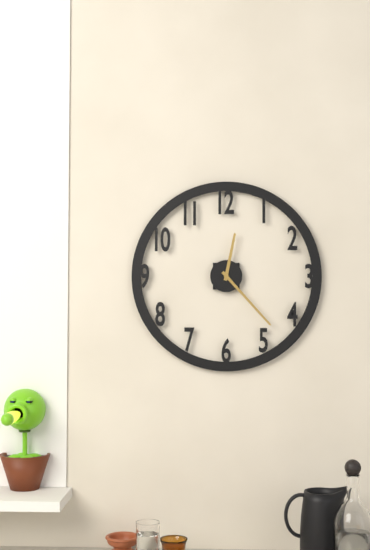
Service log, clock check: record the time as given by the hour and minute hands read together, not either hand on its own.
12:23
